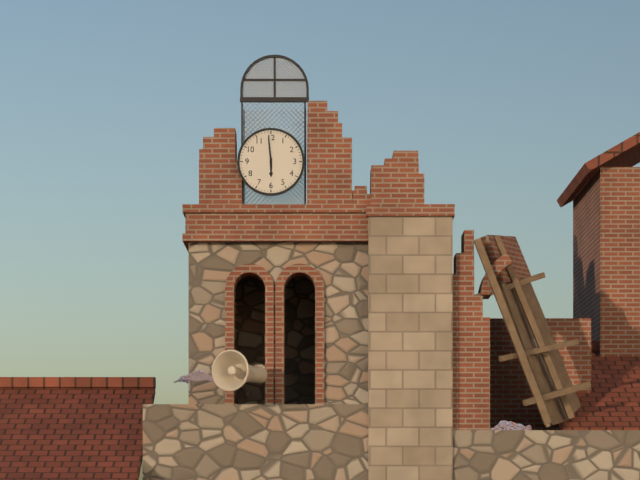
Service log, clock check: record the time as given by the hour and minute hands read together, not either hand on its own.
5:59
